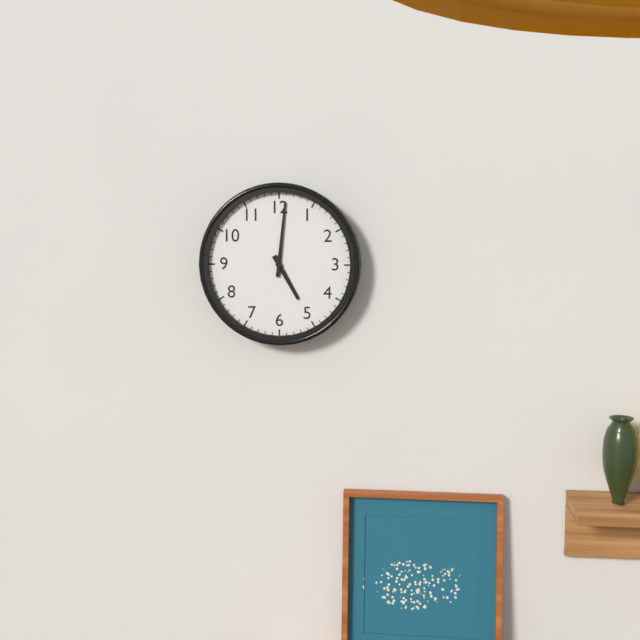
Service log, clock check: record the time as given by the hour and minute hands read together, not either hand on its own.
5:01
